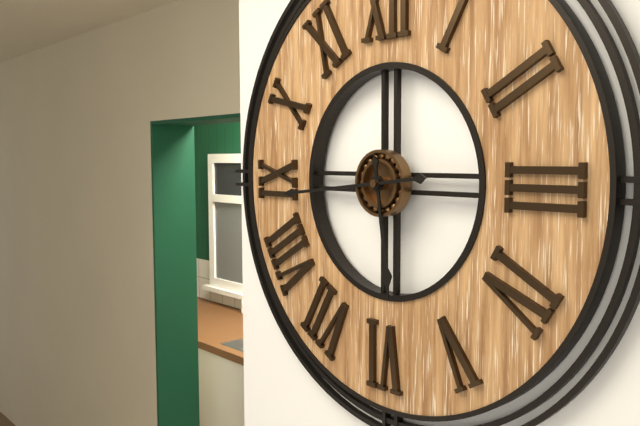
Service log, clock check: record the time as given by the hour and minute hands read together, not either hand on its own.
5:44
